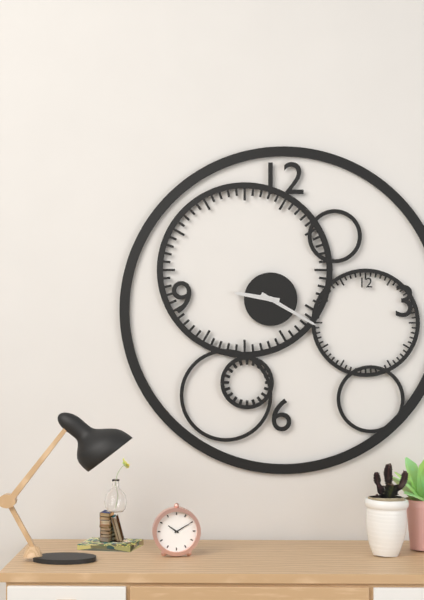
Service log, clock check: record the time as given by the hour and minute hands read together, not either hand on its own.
9:20
